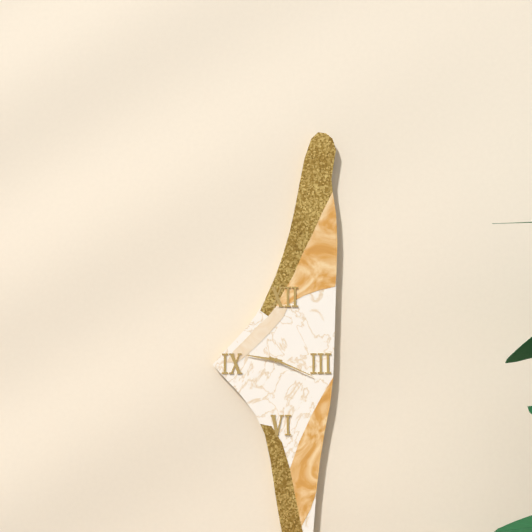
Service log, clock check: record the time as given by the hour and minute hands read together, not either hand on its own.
9:19
